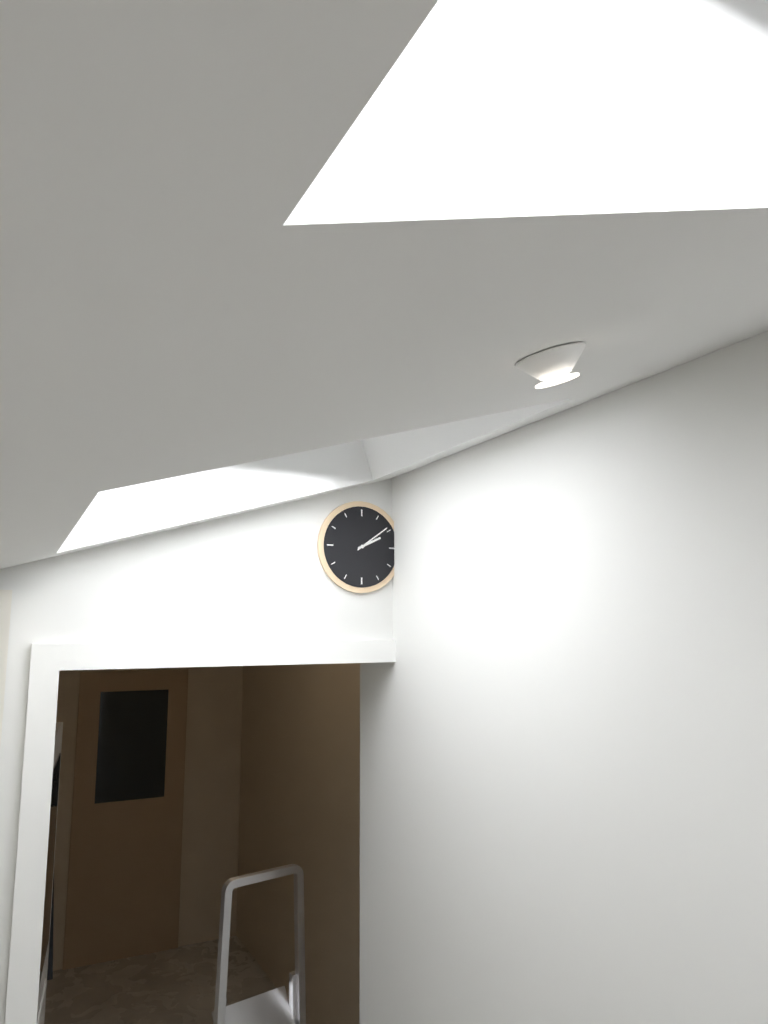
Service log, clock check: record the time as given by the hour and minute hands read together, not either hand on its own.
2:09
